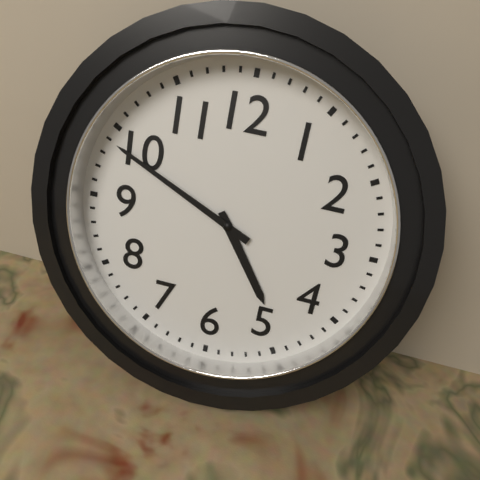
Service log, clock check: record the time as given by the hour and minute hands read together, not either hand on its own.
4:49
